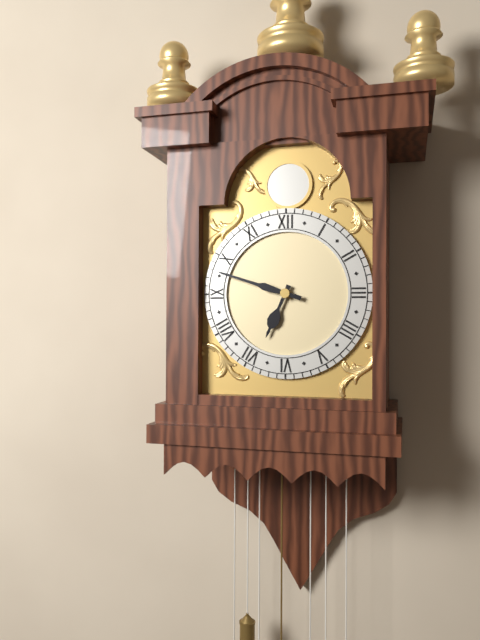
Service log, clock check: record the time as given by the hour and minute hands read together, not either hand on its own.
6:48
